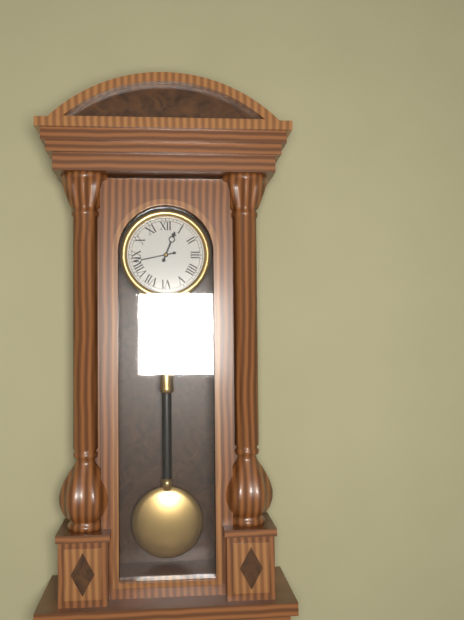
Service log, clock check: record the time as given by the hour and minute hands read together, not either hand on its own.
12:43
